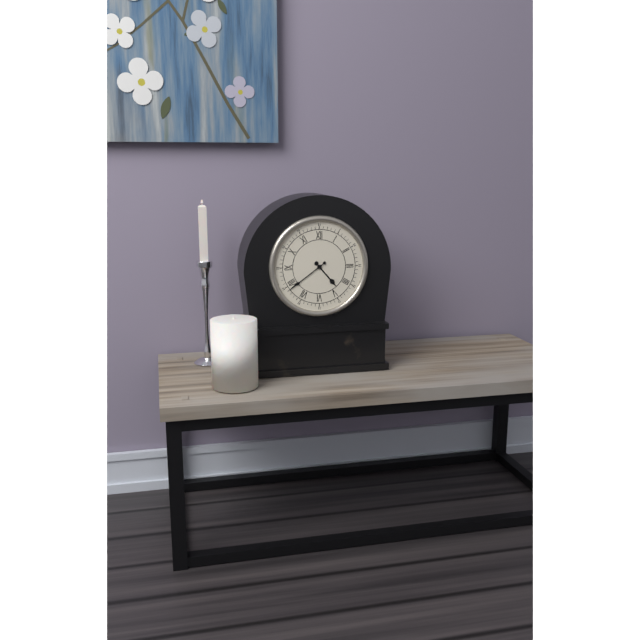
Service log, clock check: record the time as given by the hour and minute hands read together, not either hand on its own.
4:39
